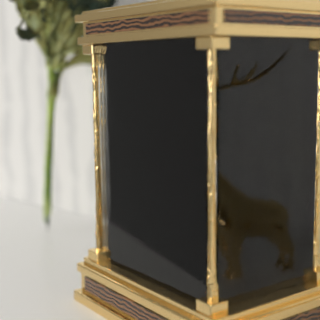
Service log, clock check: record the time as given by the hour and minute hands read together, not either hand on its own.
3:30
